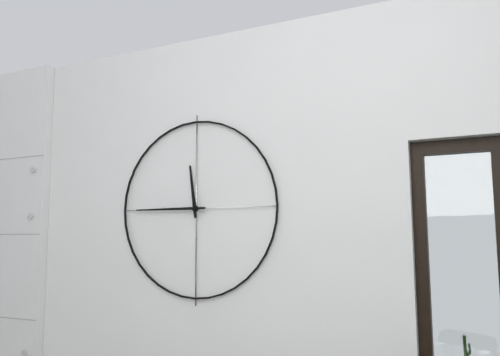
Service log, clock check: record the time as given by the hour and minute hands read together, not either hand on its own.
11:45
